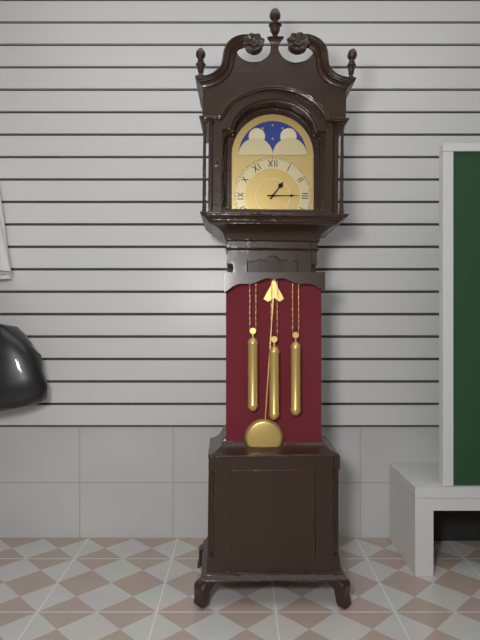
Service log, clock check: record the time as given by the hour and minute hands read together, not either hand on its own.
1:15
